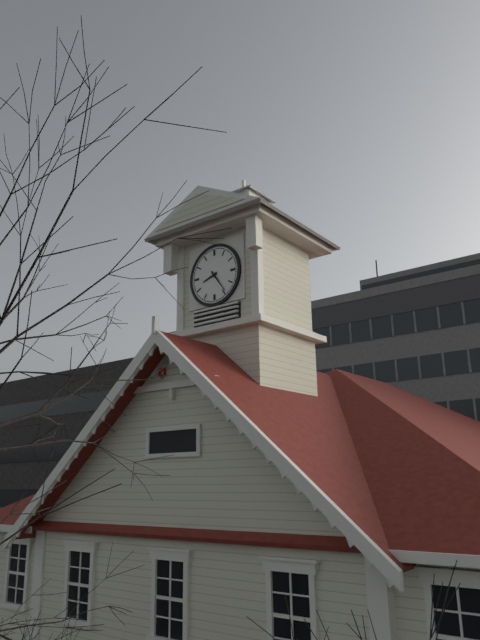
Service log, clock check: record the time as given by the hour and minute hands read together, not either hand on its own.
8:24
